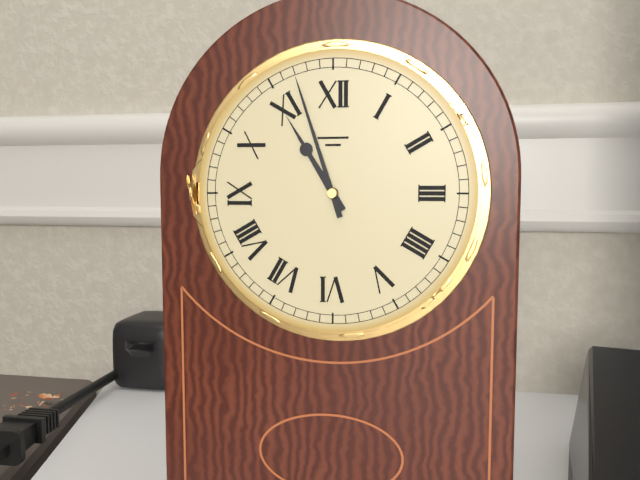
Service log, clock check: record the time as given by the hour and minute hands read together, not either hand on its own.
10:57
